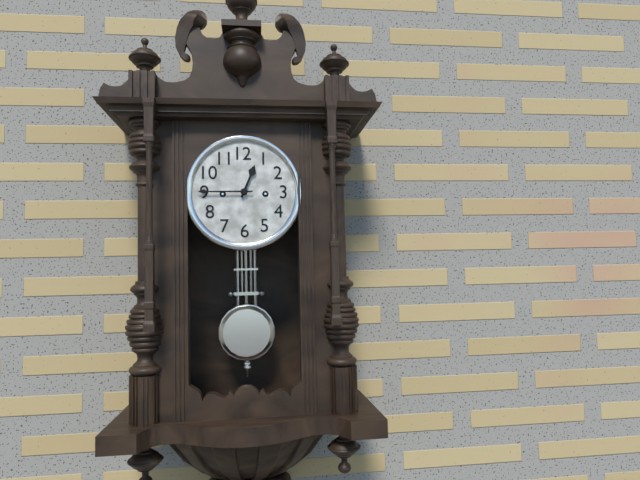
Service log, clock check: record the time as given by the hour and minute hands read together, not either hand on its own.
12:45
